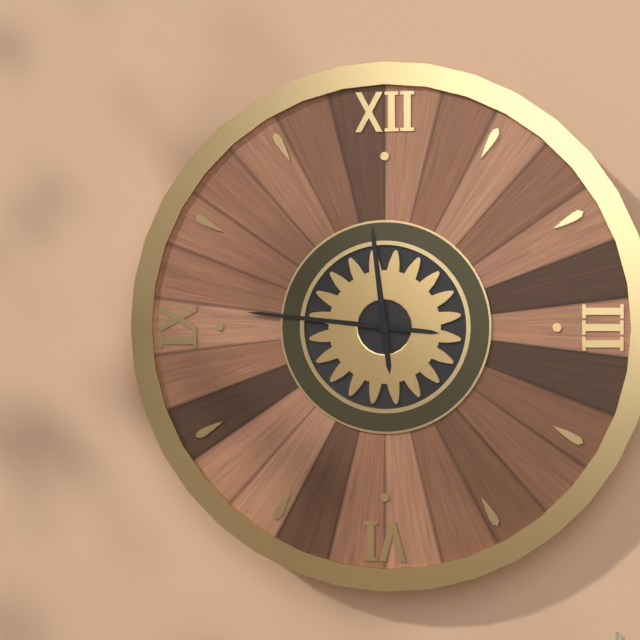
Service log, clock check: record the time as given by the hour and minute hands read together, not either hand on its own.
11:46
